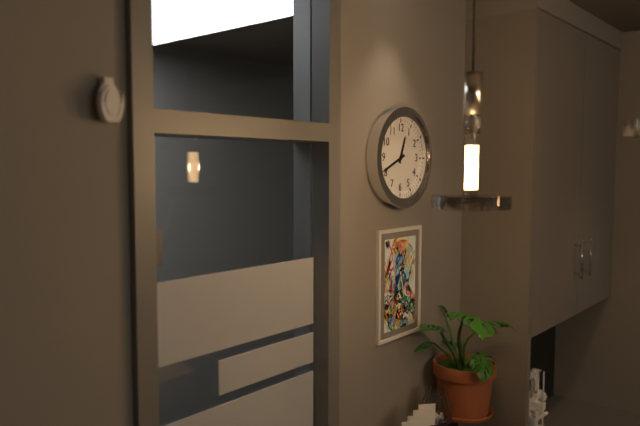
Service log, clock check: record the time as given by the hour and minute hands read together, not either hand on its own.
12:41
